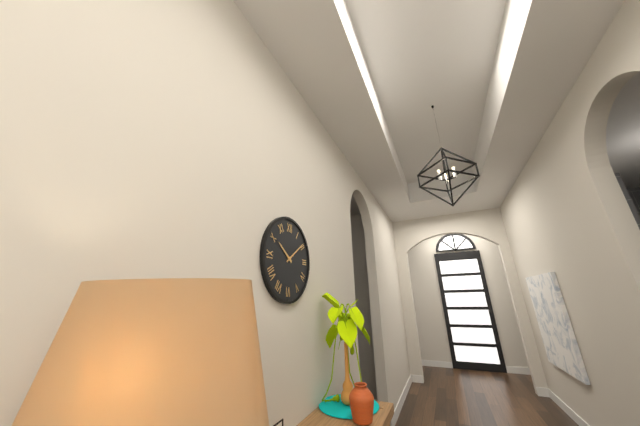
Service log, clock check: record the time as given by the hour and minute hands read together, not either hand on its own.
10:09
